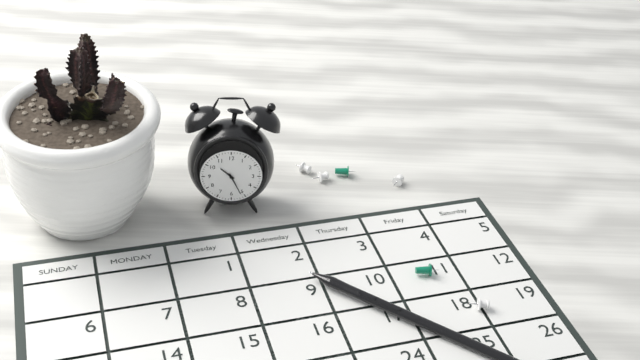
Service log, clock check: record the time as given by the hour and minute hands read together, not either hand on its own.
10:26
